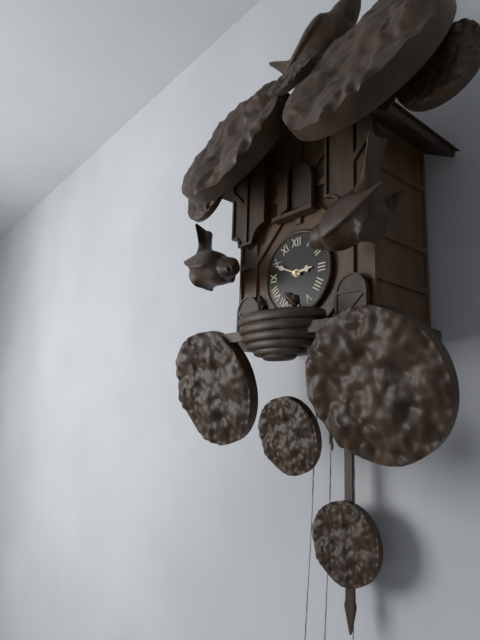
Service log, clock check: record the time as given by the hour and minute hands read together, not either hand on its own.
2:49
